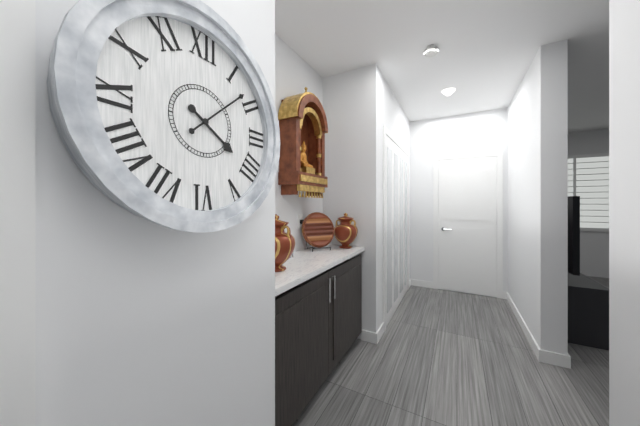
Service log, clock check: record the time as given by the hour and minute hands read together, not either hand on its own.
4:08
